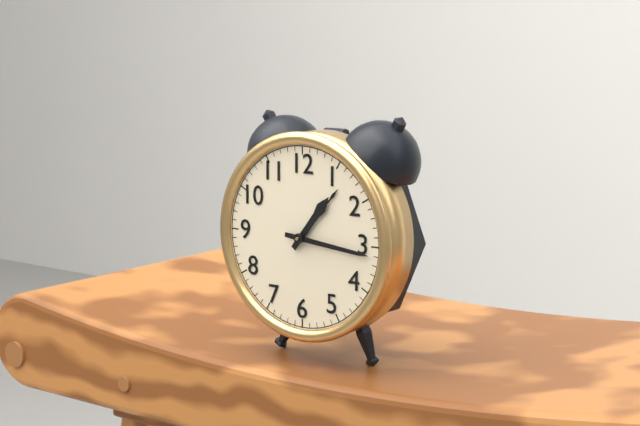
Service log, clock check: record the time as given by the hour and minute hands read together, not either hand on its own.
1:16
